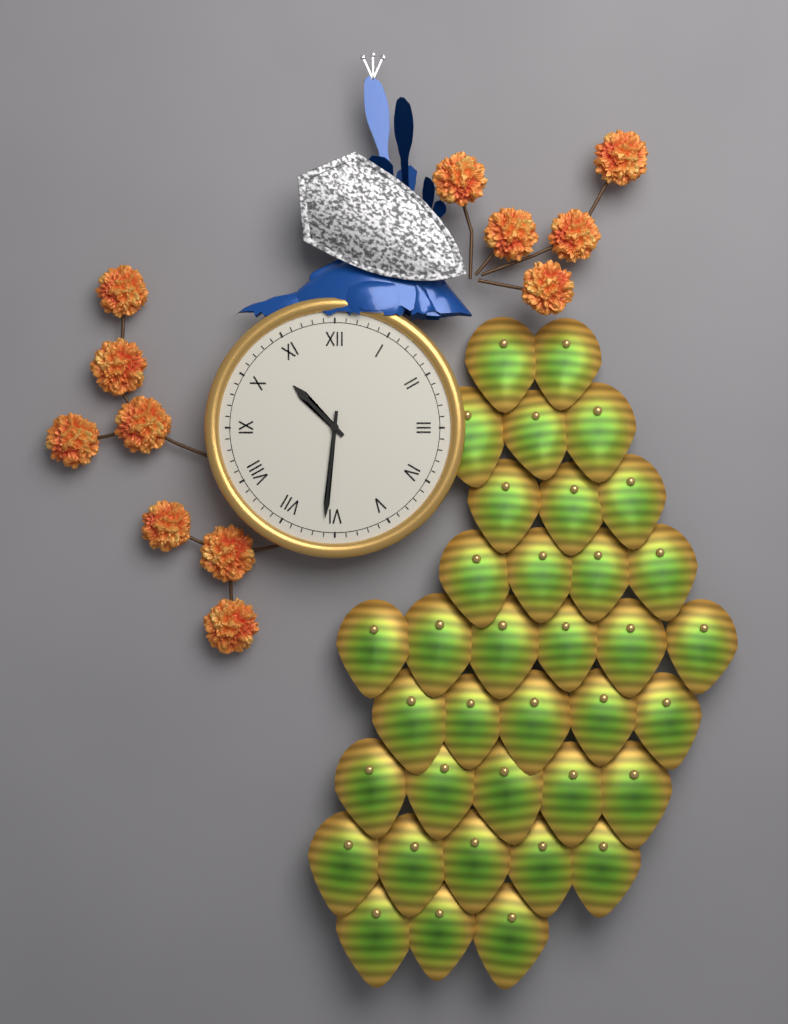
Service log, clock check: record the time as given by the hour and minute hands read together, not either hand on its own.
10:31
